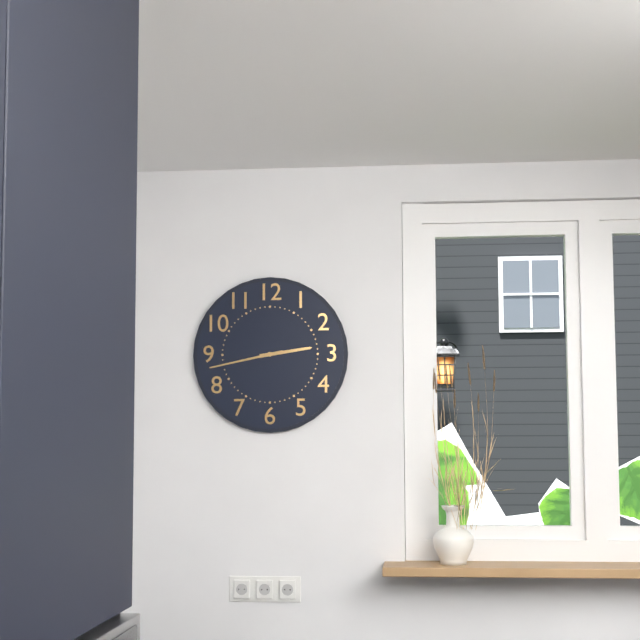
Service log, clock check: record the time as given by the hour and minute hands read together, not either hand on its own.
2:43
